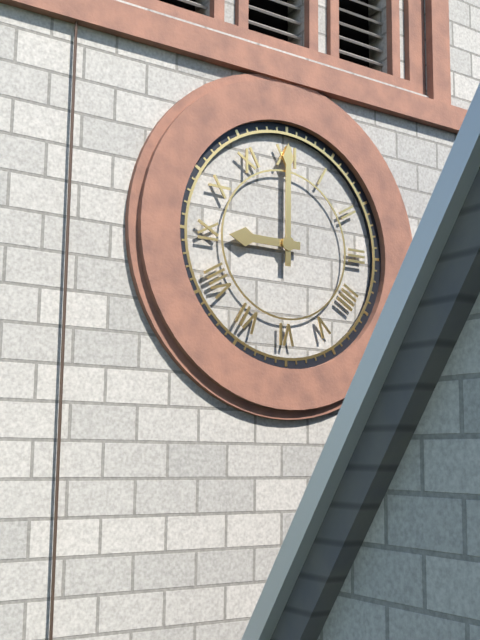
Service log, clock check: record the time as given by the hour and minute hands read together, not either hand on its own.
9:00
